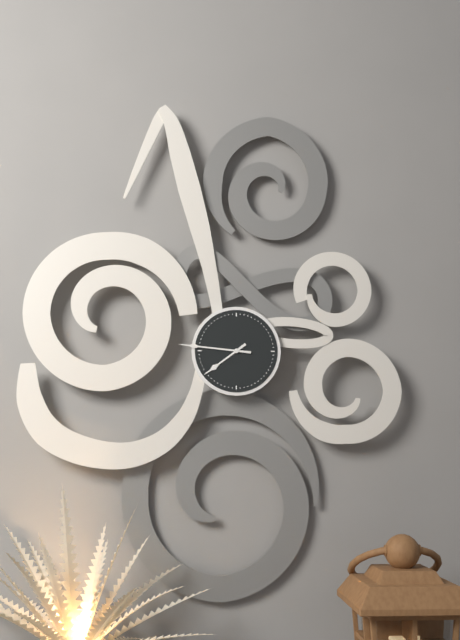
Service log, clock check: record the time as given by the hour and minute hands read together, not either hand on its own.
7:46
